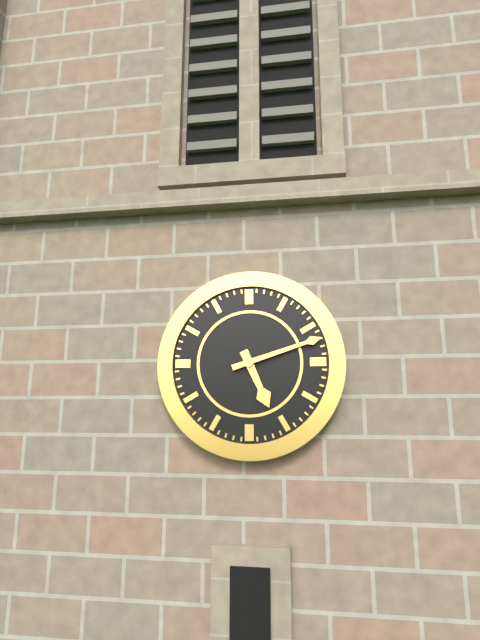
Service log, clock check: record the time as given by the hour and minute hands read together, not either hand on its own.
5:12
